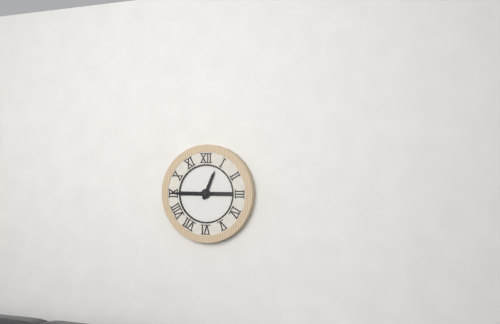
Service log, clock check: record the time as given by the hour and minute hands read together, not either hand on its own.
12:45
